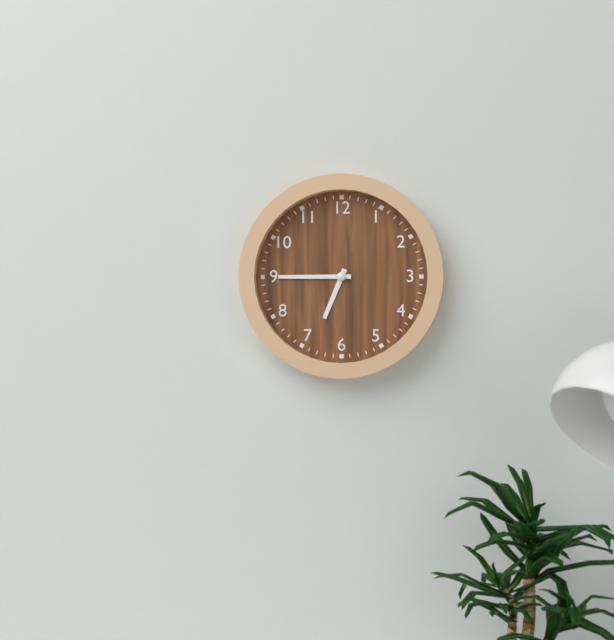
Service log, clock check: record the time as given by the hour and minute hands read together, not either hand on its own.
6:45
